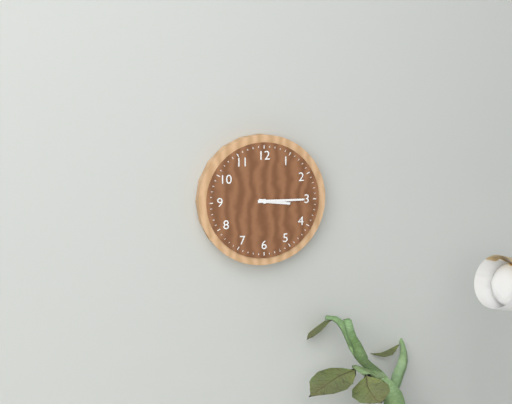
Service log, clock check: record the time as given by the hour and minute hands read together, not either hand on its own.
3:15
